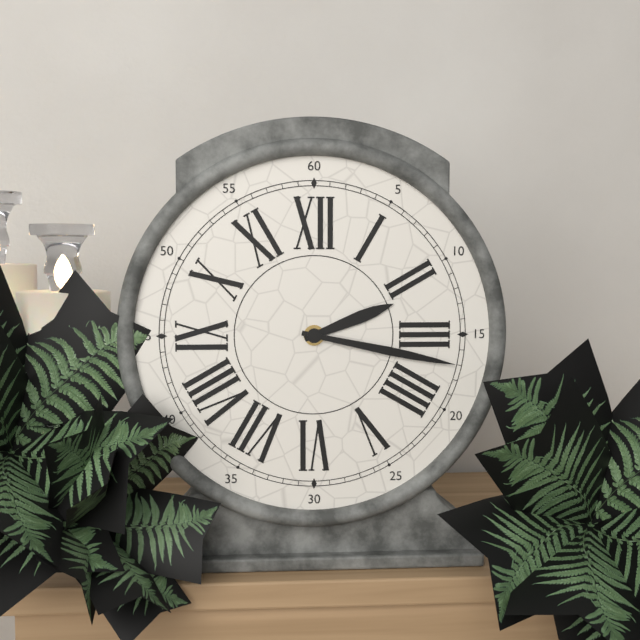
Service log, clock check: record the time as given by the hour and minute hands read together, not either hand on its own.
2:17
